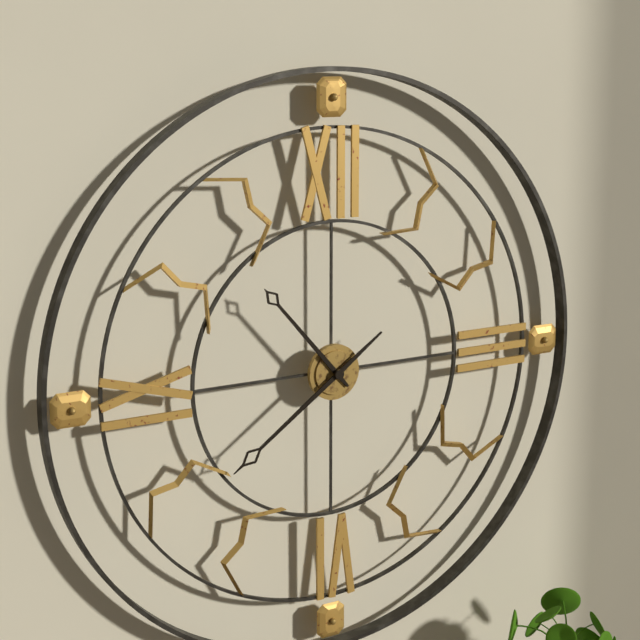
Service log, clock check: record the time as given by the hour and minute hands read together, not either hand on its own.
10:39
